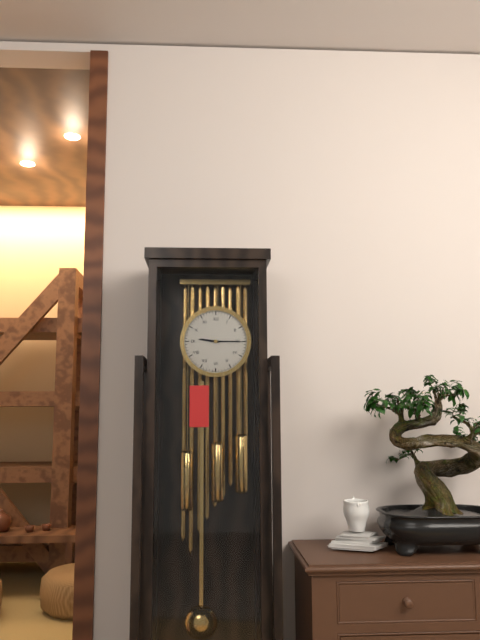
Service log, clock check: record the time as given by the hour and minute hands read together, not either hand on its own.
9:15
